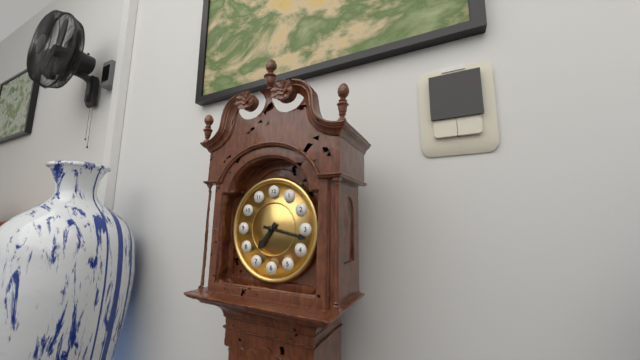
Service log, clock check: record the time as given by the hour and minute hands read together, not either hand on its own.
7:17
